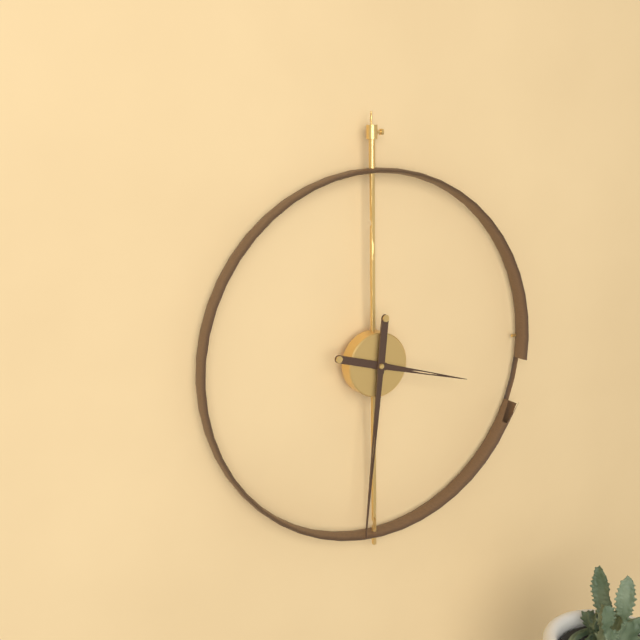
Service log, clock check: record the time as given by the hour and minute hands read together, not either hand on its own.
3:31
